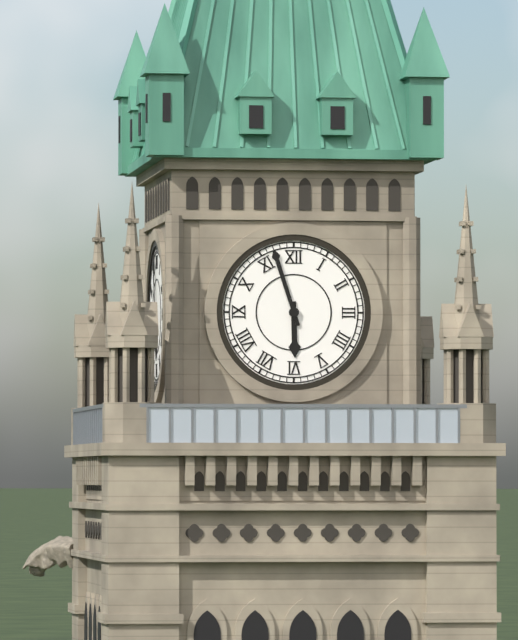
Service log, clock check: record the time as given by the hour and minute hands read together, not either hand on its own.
5:57
